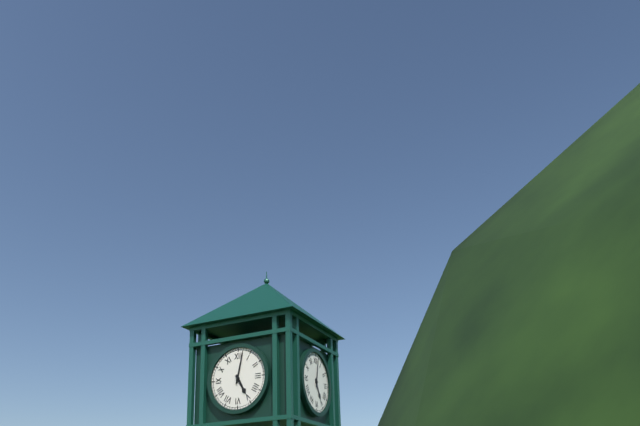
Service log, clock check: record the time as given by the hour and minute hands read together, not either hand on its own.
5:02
